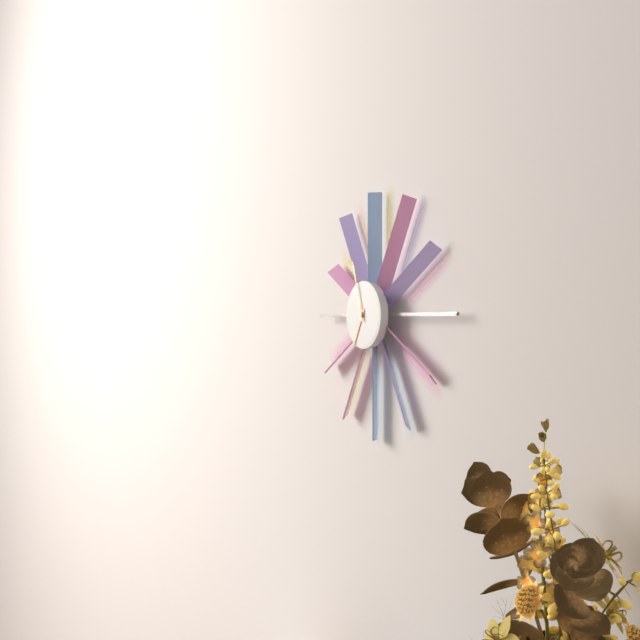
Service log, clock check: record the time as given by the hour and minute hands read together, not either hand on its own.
6:57
